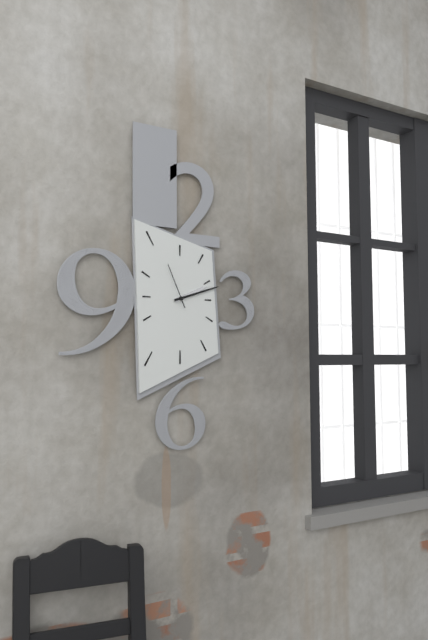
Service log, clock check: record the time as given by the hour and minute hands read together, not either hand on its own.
2:12
